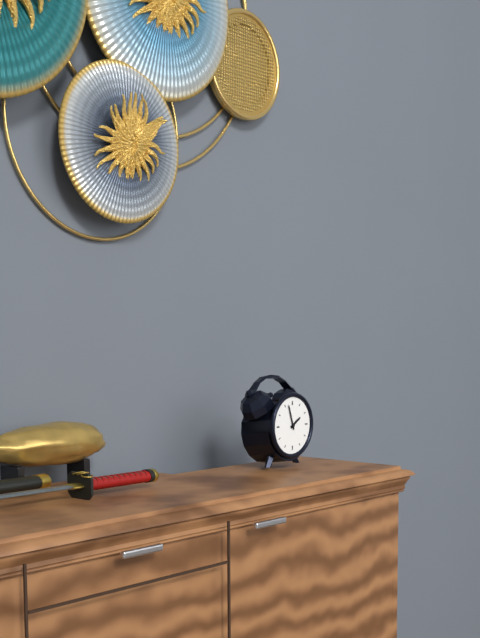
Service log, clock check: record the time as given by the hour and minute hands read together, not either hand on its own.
1:57
